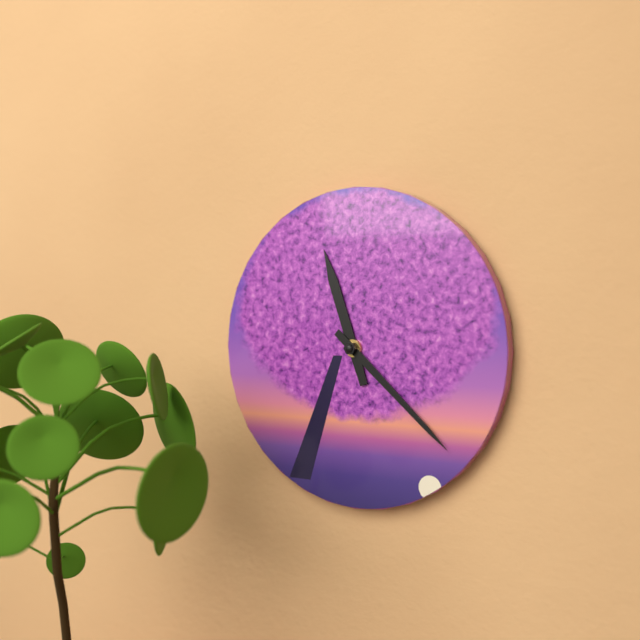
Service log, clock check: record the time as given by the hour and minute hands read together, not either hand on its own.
11:22
